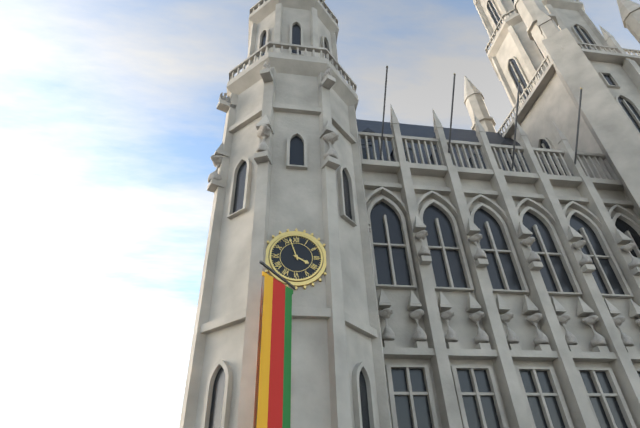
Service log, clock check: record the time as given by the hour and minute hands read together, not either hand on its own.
3:57
